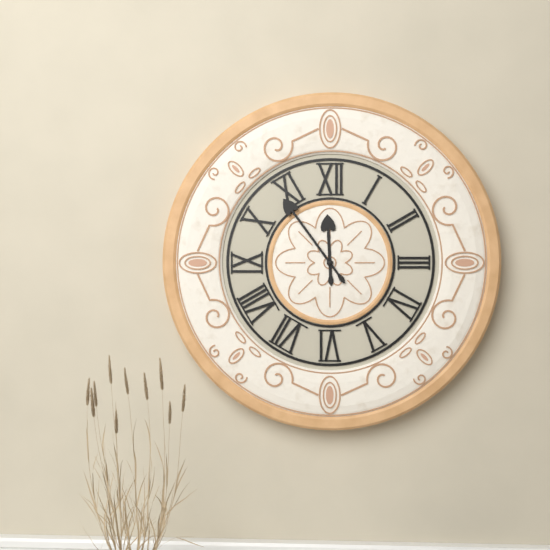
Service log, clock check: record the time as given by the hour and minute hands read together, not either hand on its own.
11:54
